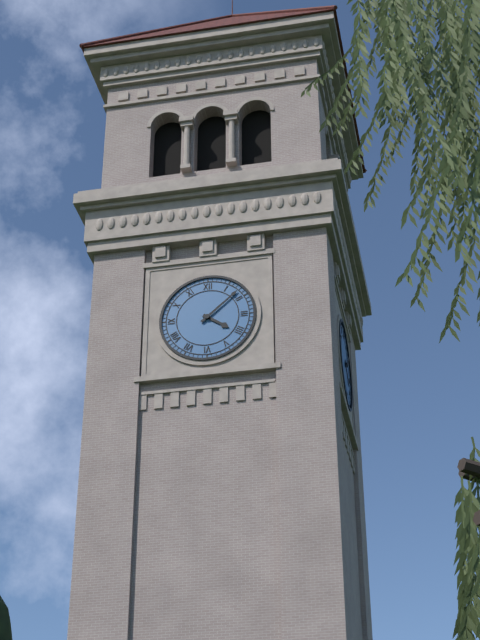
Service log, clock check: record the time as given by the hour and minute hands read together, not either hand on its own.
4:08
